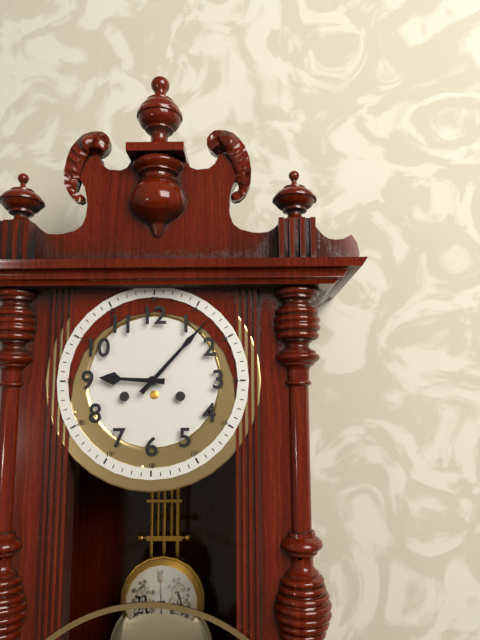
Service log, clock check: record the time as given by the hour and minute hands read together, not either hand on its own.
9:07
